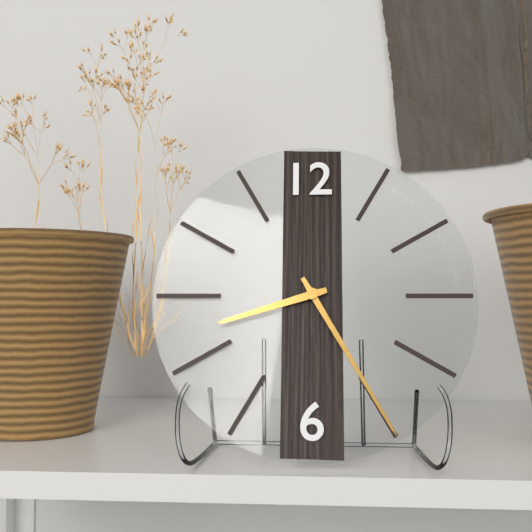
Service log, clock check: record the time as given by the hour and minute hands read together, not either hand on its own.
8:25
